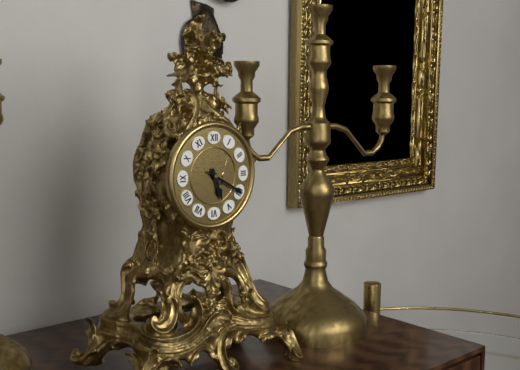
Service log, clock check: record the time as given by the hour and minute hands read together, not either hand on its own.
5:20
